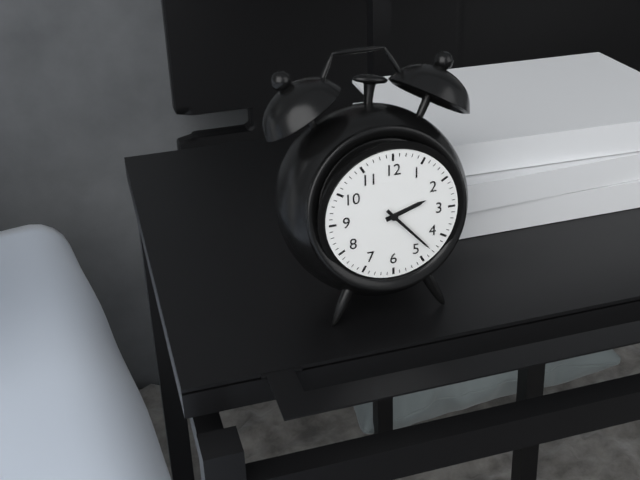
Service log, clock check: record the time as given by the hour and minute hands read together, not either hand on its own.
2:23
